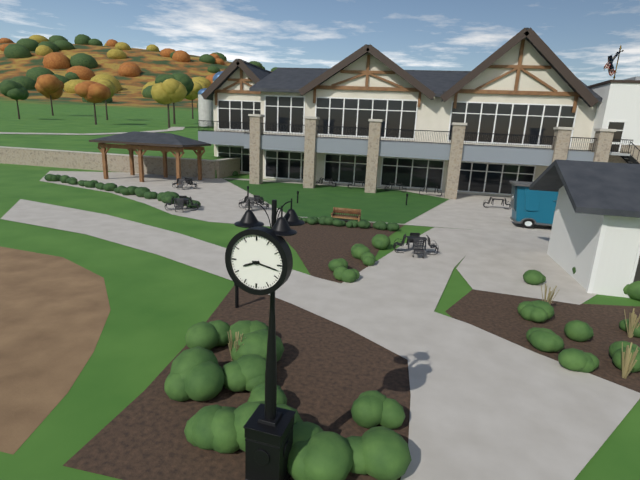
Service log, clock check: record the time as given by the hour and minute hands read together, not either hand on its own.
8:17
